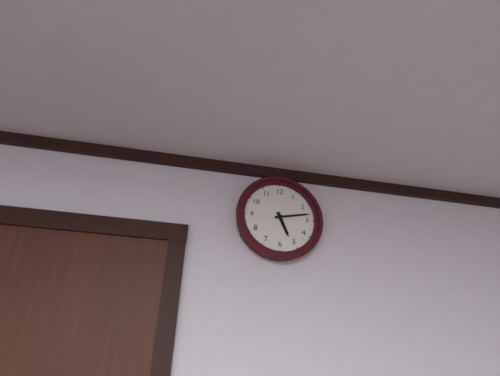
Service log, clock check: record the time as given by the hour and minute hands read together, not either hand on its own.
5:13
